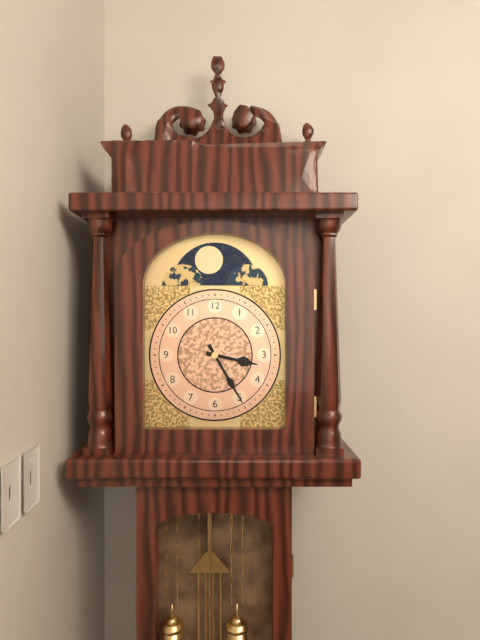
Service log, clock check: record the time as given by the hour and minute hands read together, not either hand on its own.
3:25
